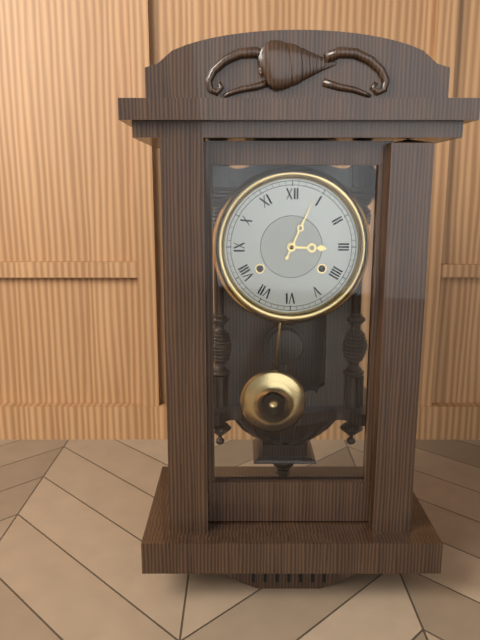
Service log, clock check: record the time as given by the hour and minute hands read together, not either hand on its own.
3:04
